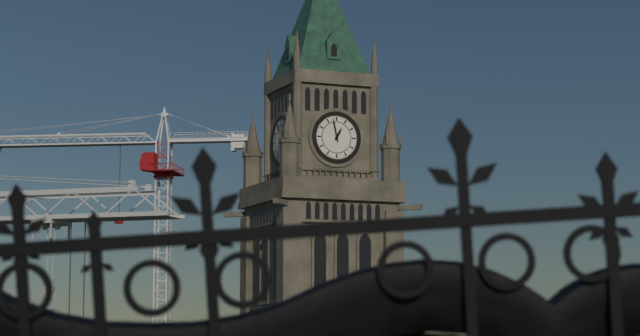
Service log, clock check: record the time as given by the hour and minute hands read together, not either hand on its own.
12:58
